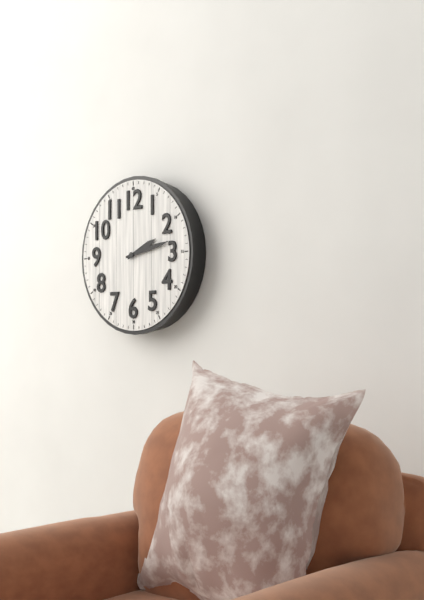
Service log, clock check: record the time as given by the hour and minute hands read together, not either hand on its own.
2:13
